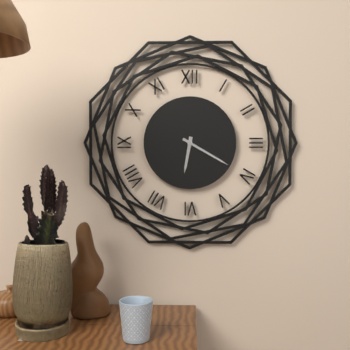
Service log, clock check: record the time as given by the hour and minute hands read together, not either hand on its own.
6:20
